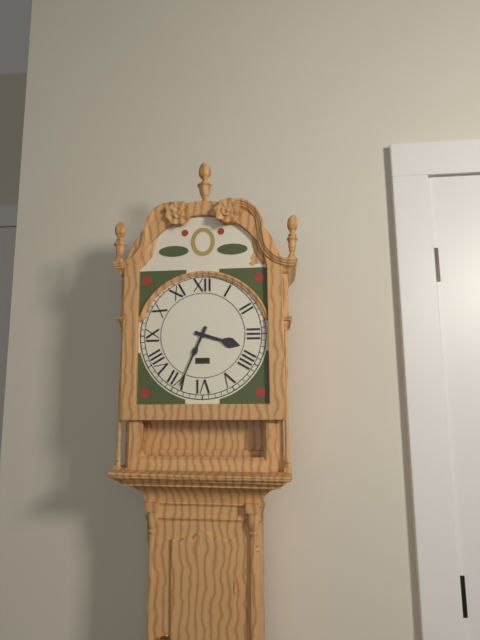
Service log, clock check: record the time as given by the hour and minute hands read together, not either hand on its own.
3:34
